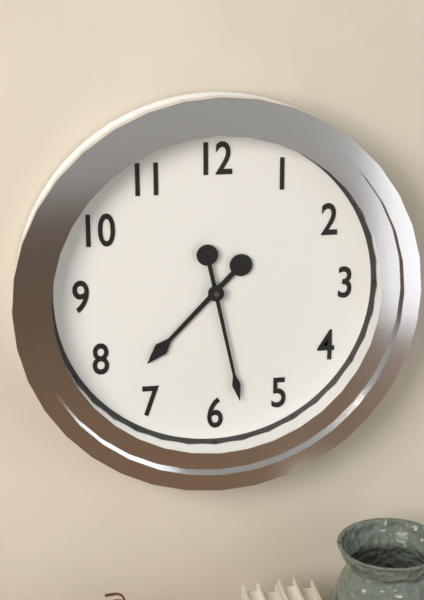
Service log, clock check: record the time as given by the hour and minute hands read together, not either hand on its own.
7:28
